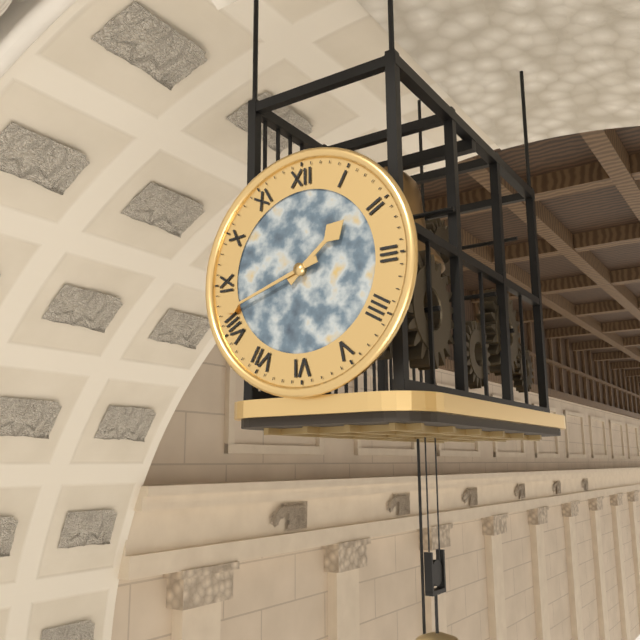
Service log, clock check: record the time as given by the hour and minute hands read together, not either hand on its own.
1:42
